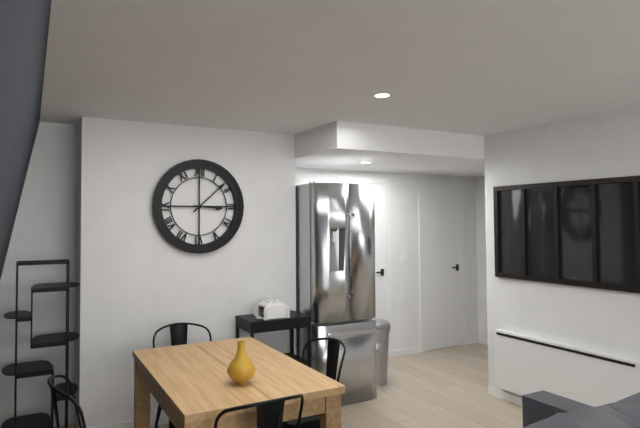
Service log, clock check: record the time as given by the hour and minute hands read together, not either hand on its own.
3:08
